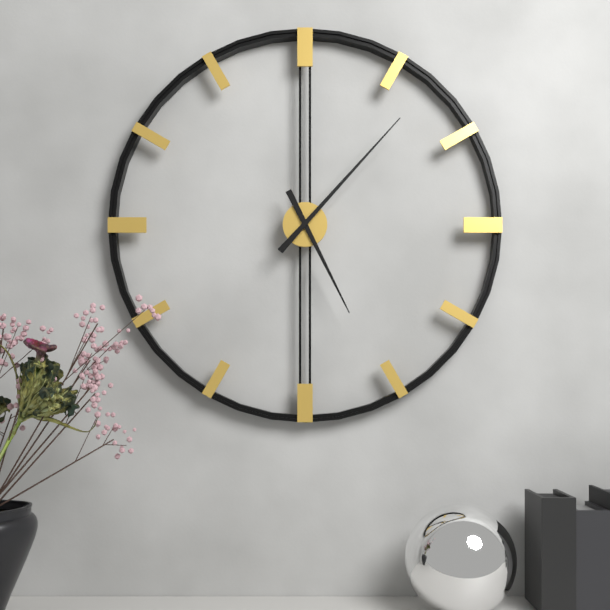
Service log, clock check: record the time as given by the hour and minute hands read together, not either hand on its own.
5:07
